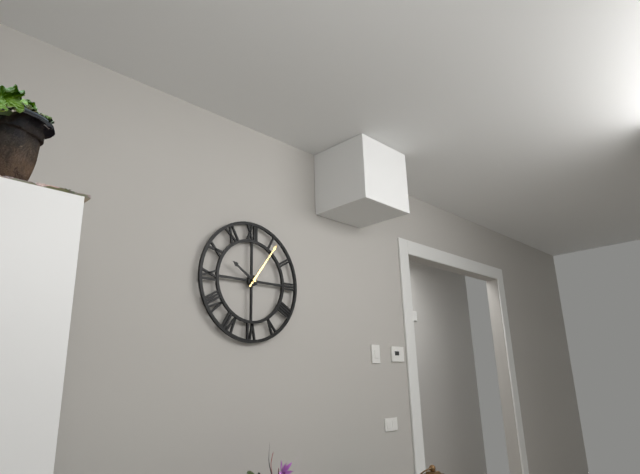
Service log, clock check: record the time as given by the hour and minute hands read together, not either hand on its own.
10:06
